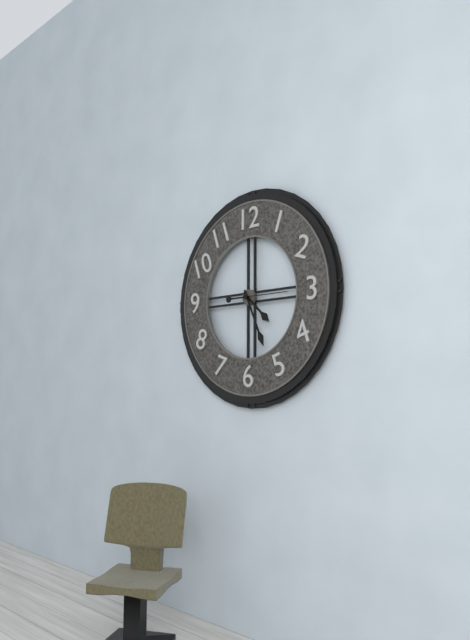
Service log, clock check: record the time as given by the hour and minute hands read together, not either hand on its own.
4:26
